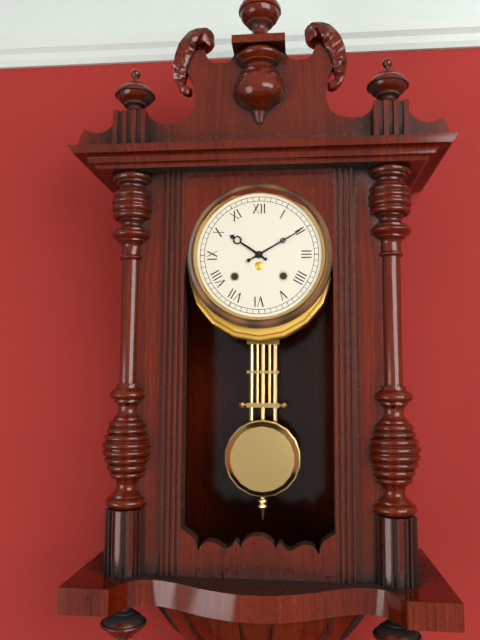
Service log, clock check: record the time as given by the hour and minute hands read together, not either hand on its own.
10:10
